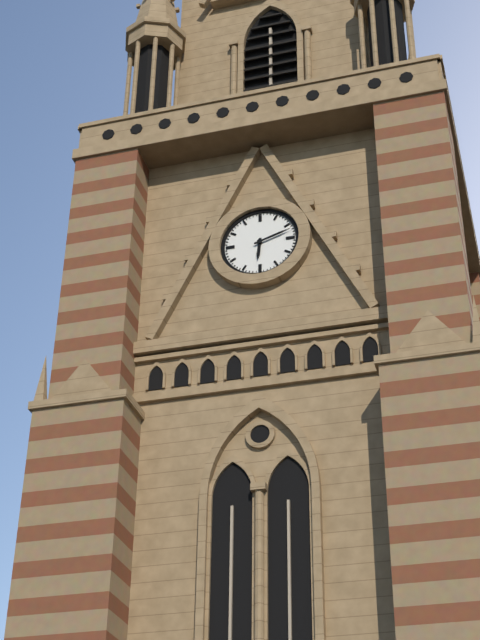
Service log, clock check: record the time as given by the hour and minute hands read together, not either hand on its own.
6:12
